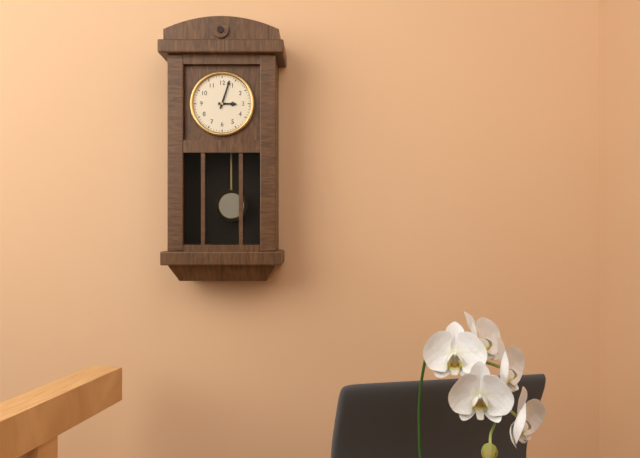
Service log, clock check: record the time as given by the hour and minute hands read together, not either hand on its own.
3:03
